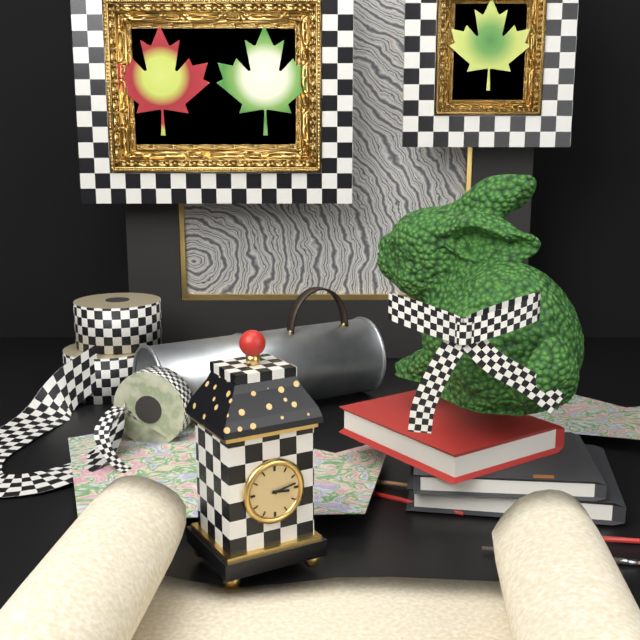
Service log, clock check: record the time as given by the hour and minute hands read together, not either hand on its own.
3:13
